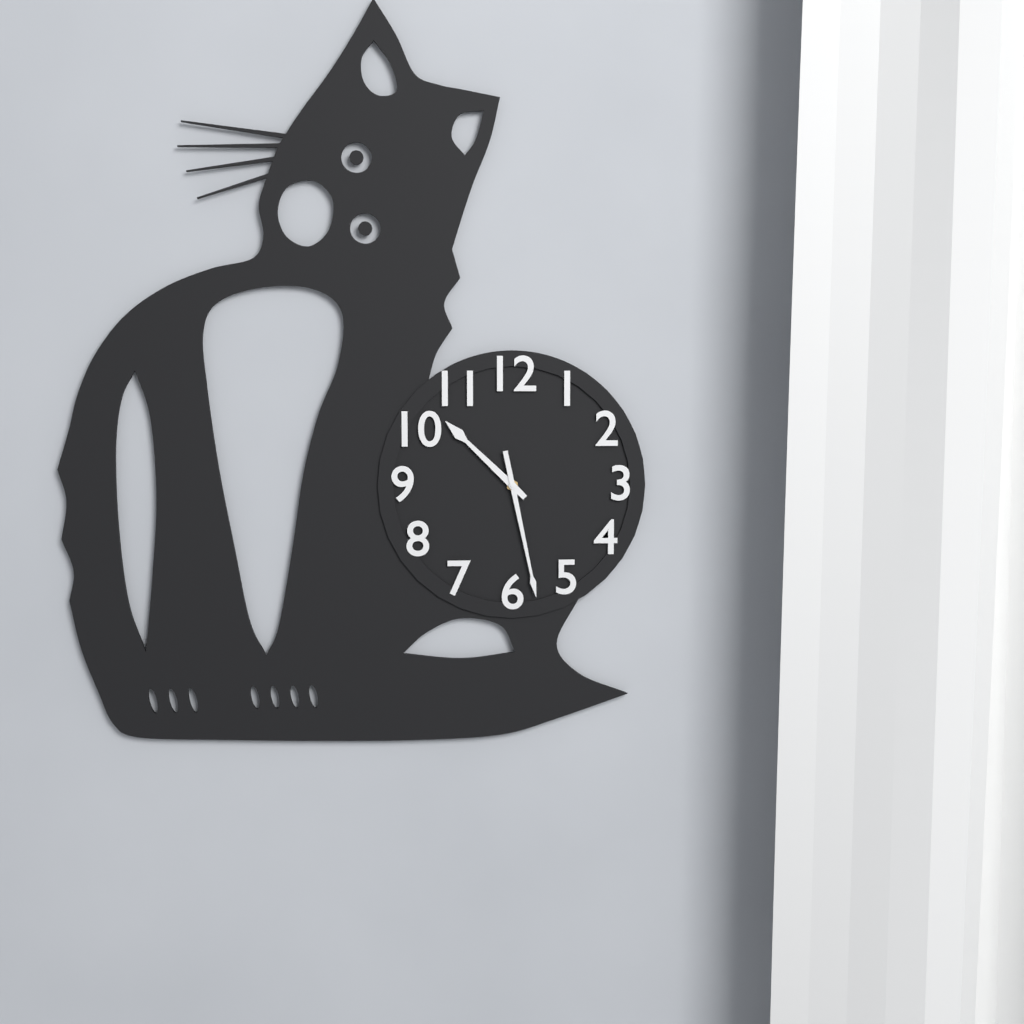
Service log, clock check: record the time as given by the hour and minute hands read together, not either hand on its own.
10:28
